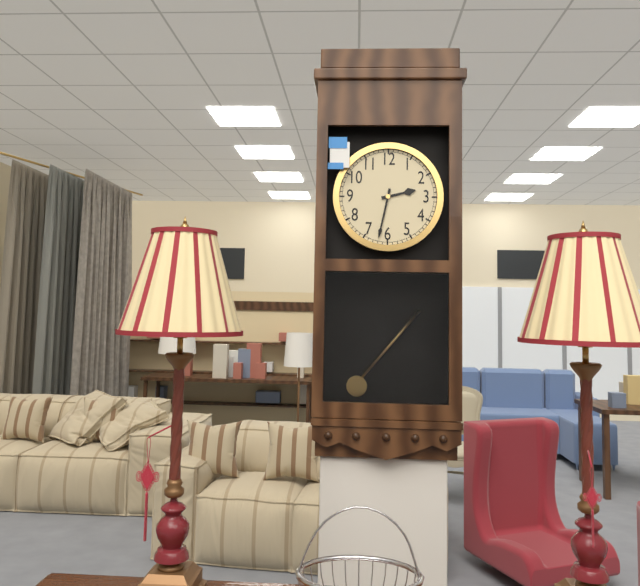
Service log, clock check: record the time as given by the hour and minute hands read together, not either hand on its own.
2:32
